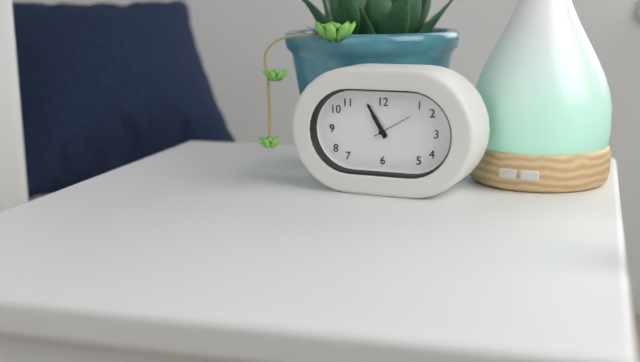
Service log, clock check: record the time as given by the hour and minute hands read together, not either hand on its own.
10:55
